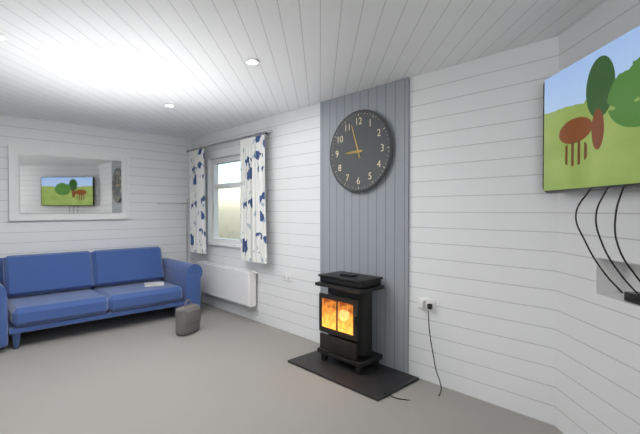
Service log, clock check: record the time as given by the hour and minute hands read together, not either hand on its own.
8:57
